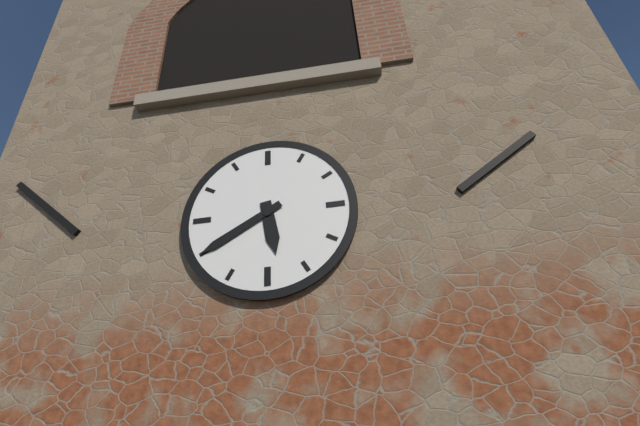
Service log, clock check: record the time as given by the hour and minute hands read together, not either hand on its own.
5:40
